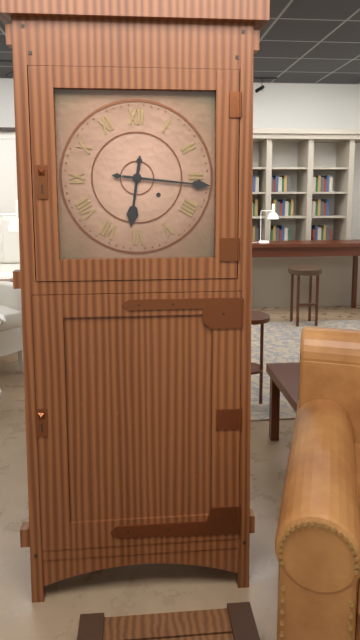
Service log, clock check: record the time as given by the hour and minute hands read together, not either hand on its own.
6:16
